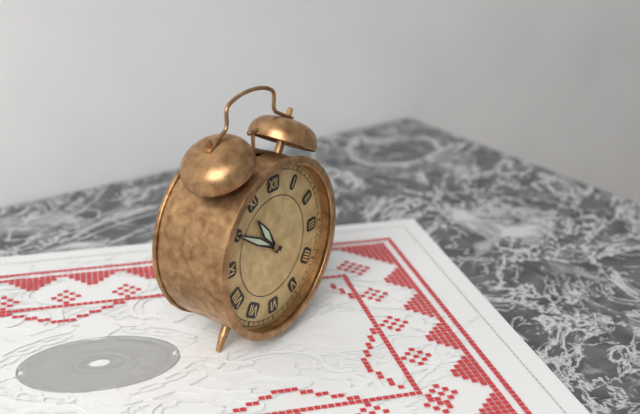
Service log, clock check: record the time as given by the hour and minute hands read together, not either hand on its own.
10:50
